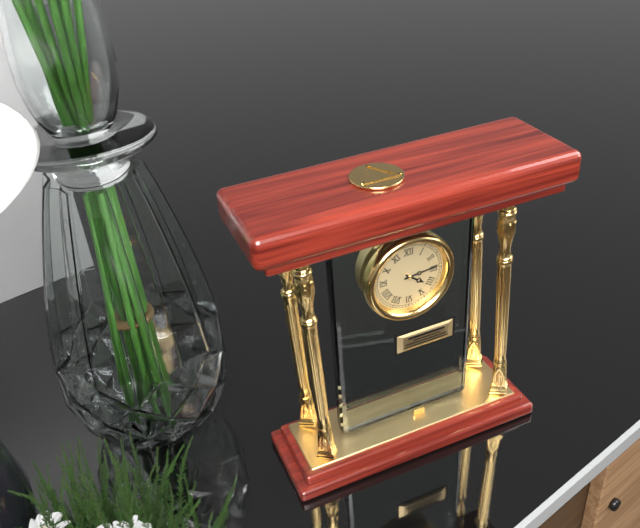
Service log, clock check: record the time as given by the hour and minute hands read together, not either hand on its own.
4:14
